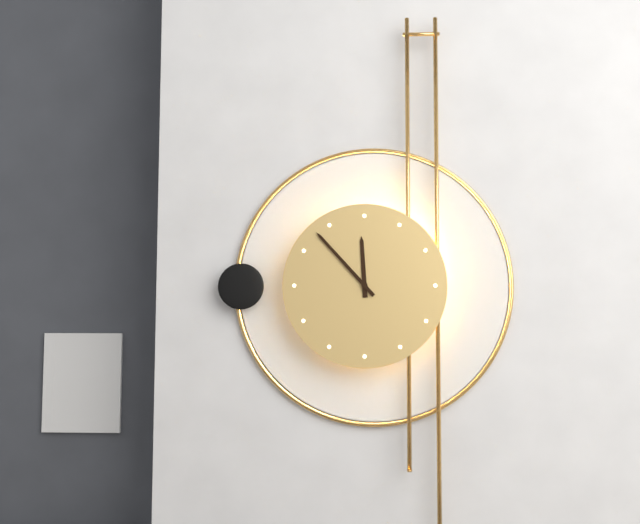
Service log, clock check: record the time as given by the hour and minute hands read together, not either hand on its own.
11:53
